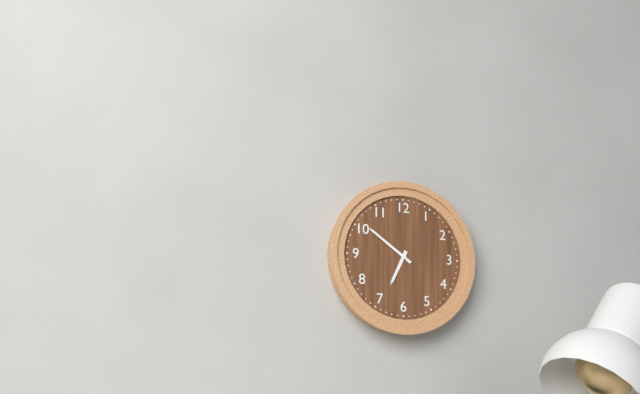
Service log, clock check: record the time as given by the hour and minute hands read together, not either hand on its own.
6:51
